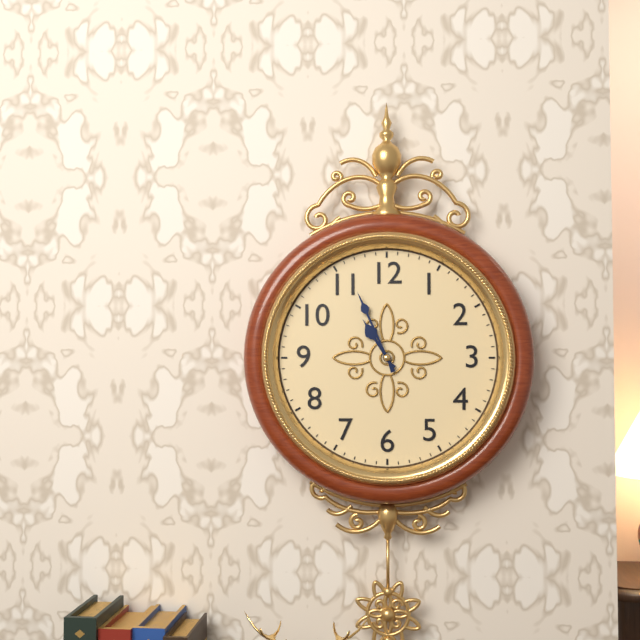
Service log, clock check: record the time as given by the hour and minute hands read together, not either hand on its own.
10:56
